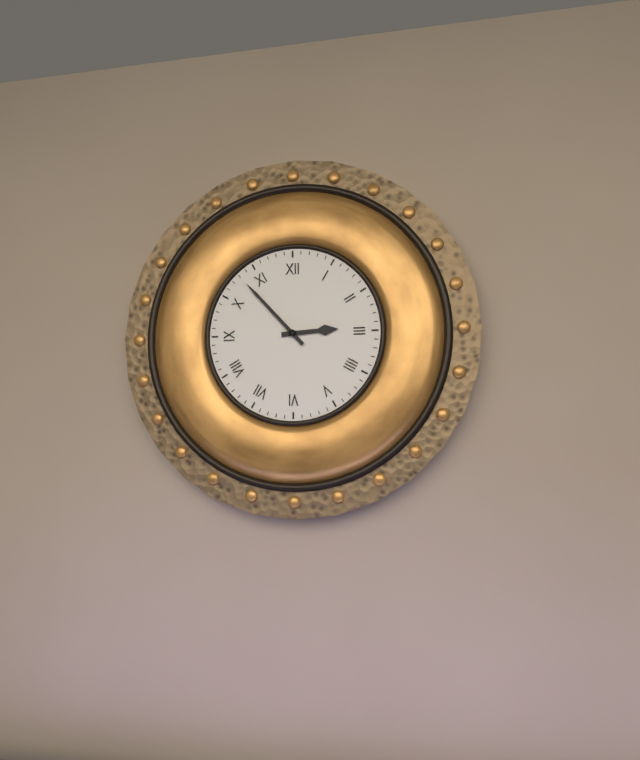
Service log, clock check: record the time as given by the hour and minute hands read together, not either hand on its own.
2:53
